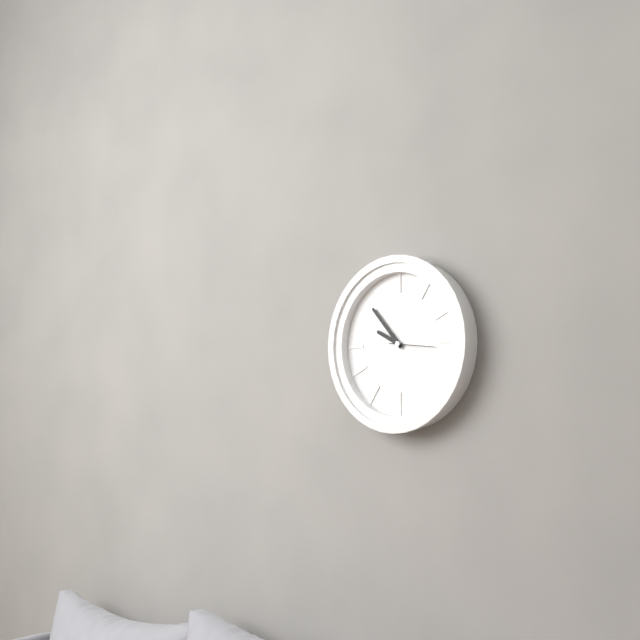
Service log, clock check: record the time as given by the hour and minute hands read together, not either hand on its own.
9:53
